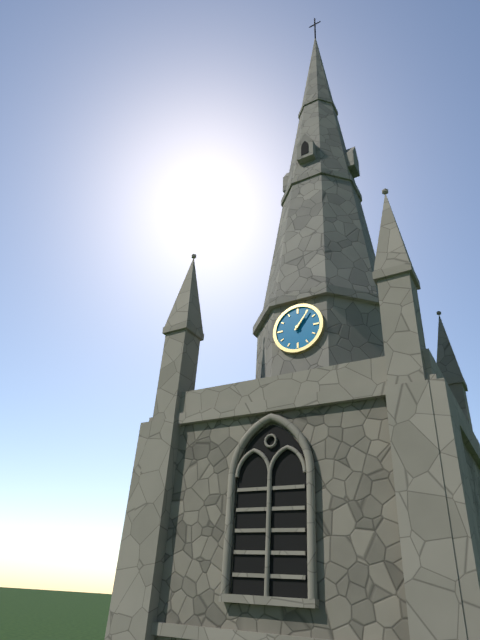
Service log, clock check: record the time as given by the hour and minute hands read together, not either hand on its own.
1:06
